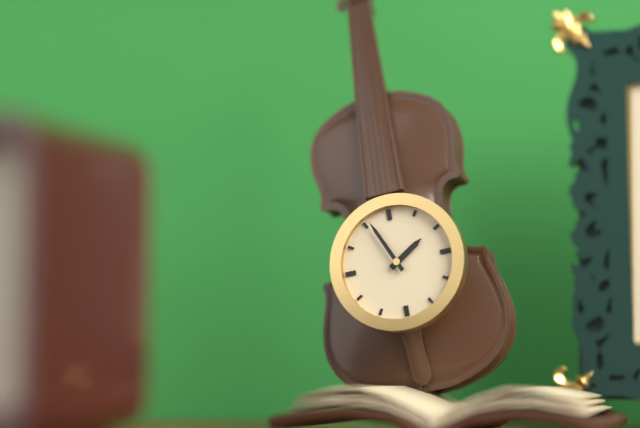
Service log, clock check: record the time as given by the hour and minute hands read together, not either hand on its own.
1:56
